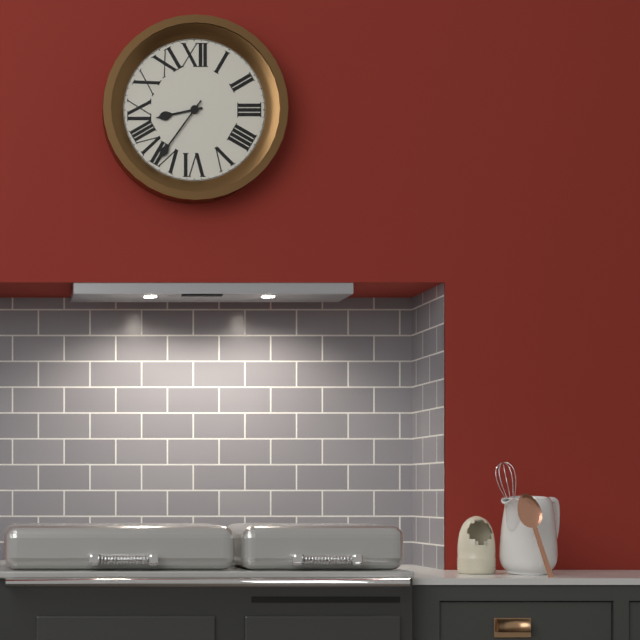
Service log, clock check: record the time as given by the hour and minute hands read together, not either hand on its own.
8:36
